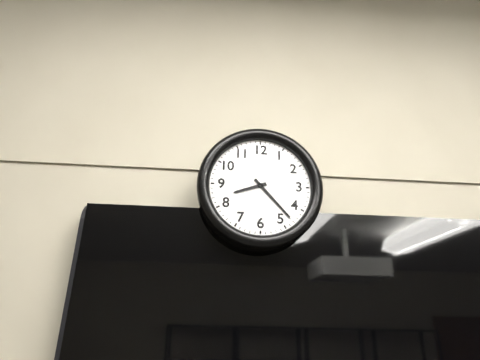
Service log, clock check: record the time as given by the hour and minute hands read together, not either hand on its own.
8:23
